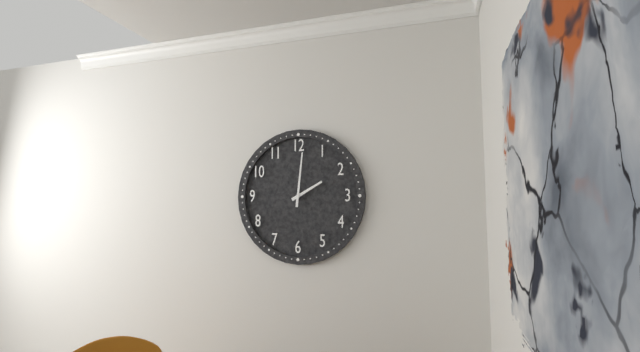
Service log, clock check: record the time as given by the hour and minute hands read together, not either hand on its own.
2:01
